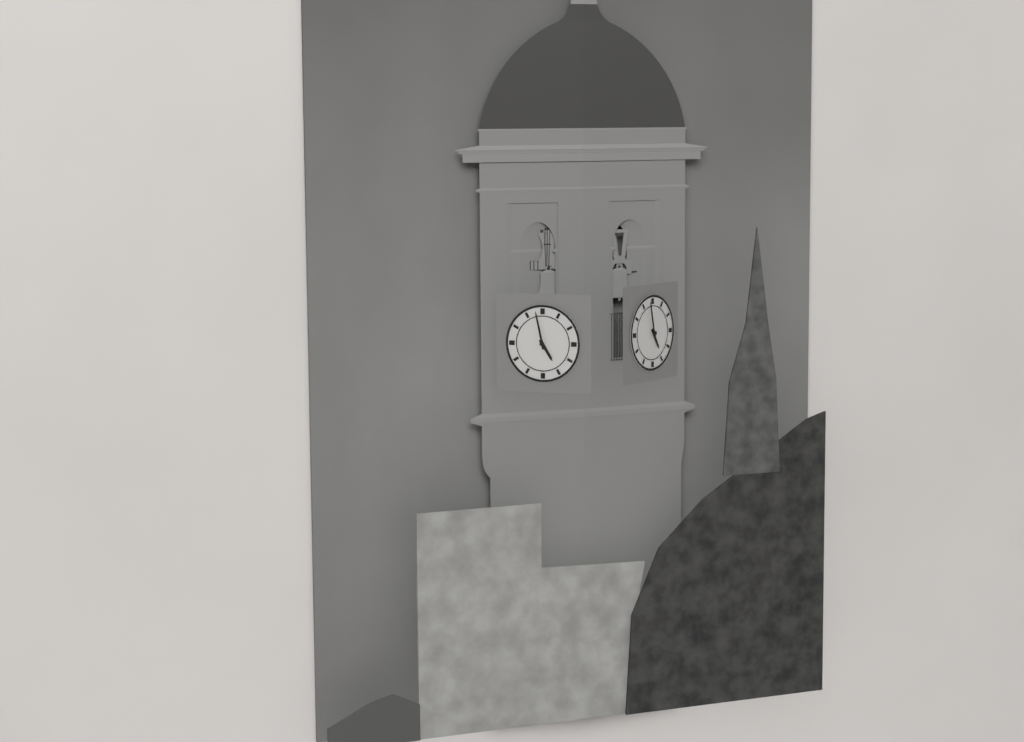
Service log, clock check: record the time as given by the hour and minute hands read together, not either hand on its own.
4:58
